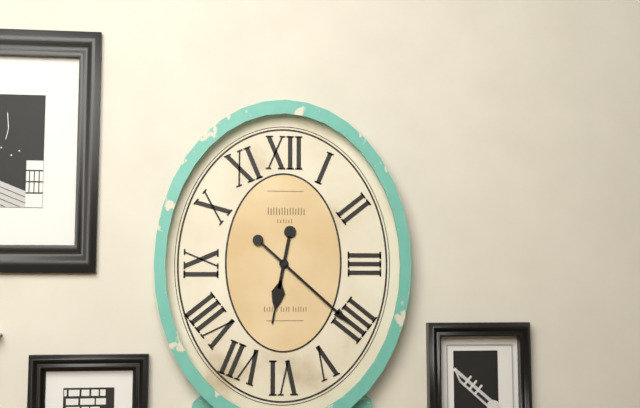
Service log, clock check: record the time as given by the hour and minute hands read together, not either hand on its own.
6:22
